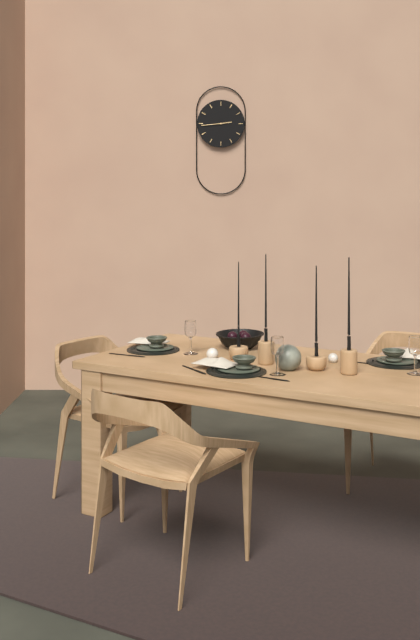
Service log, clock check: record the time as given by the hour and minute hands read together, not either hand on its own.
2:44
